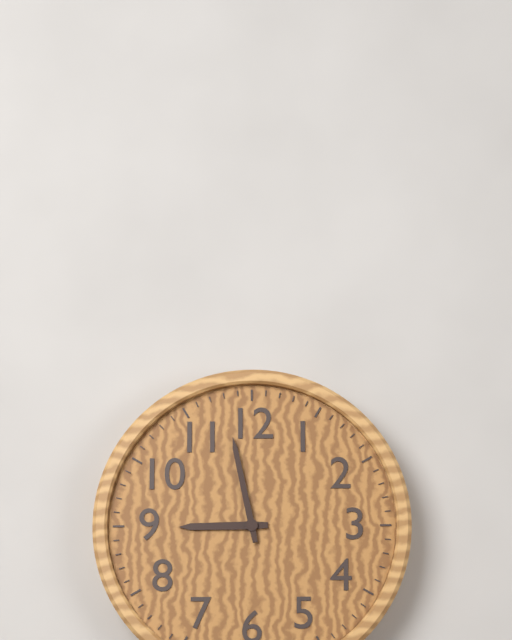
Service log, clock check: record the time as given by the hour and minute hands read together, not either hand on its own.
8:58
